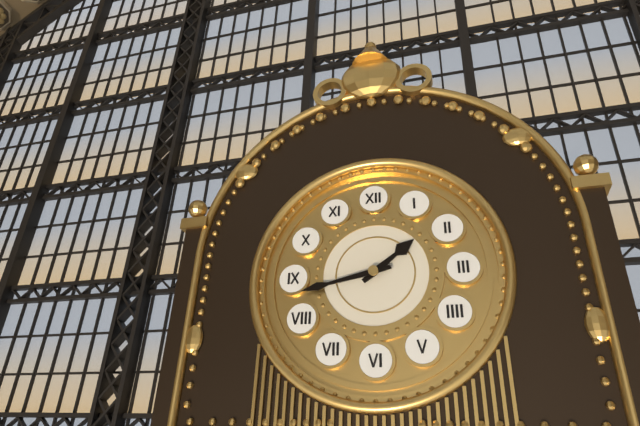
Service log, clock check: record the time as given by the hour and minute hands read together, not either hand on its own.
1:43
